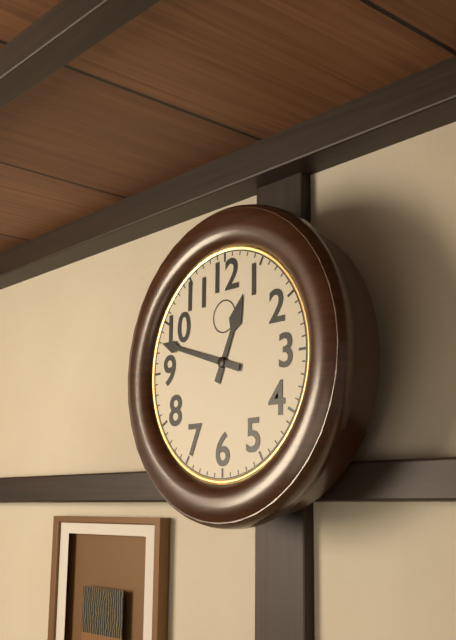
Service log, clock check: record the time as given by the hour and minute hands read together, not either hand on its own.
12:48
